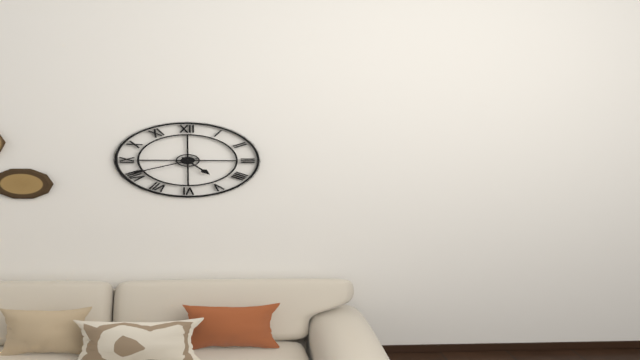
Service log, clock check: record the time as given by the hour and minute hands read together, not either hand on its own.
4:41
